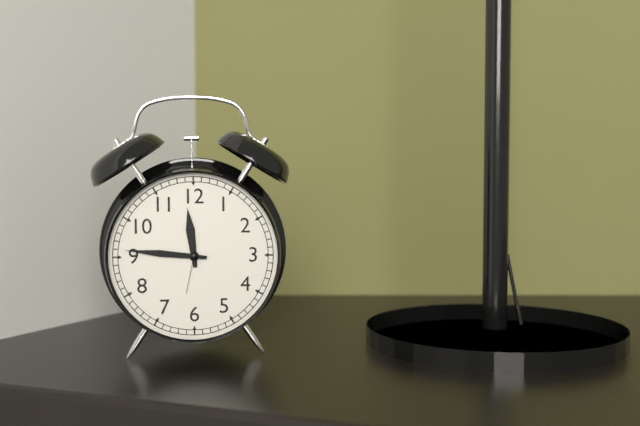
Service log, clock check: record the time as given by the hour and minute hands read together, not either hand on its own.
11:46
